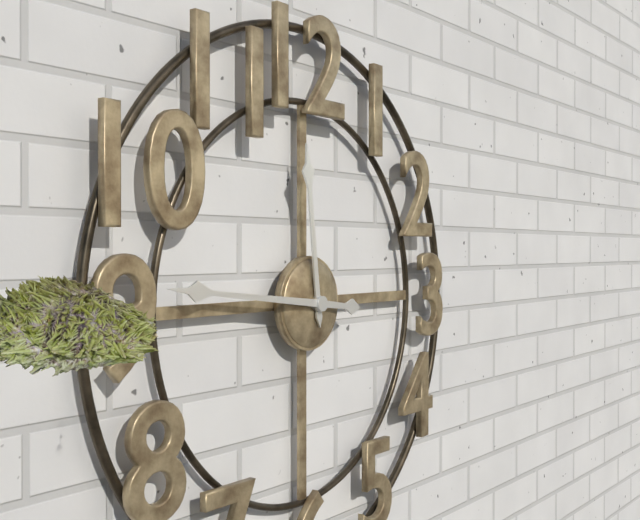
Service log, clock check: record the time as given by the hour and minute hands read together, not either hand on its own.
11:46
